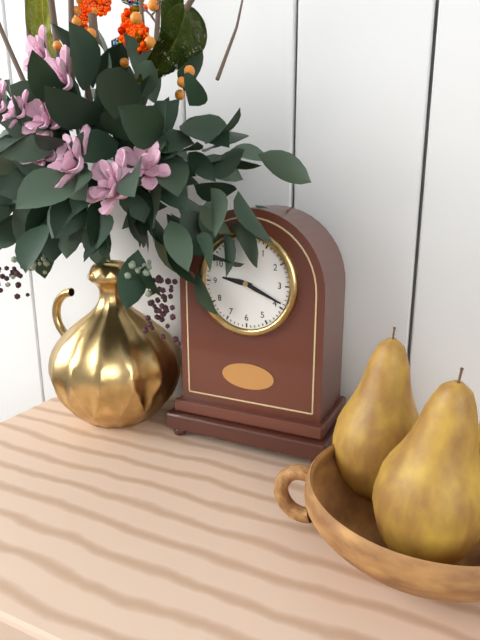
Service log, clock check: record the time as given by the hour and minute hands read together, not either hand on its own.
9:19
